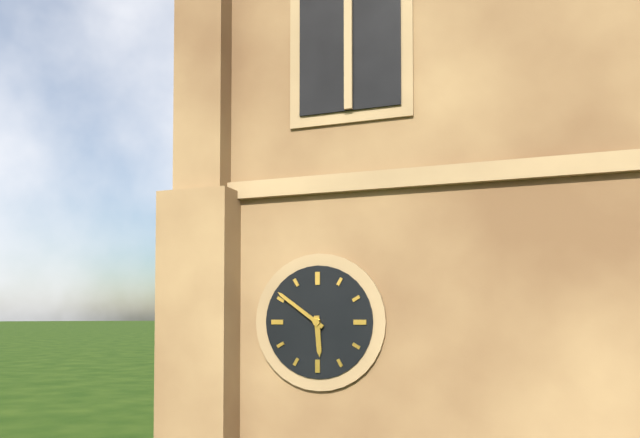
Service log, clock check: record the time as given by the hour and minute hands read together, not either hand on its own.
5:51
